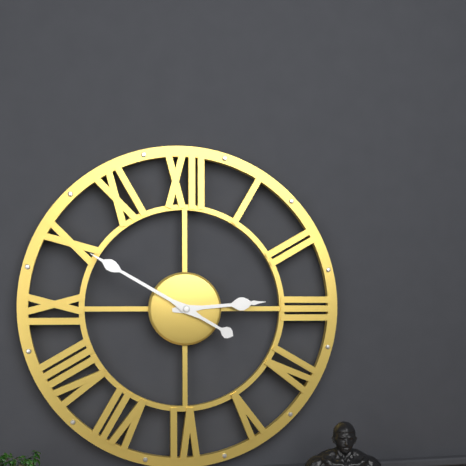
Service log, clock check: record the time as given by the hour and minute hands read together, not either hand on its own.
2:50
